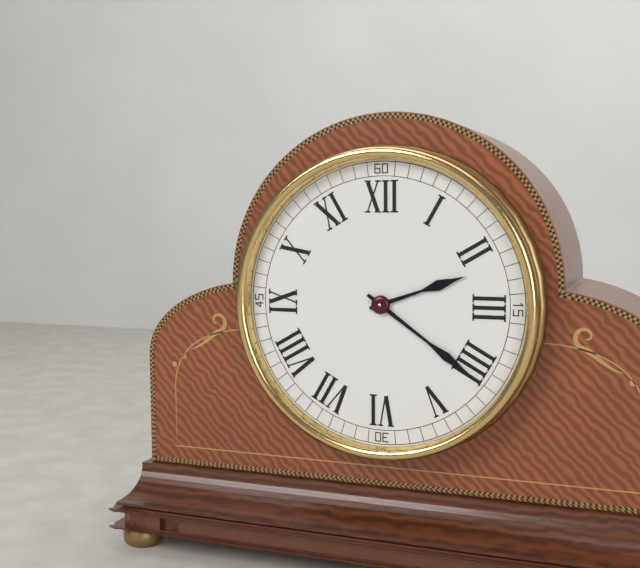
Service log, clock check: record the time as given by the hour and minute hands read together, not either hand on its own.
2:21
